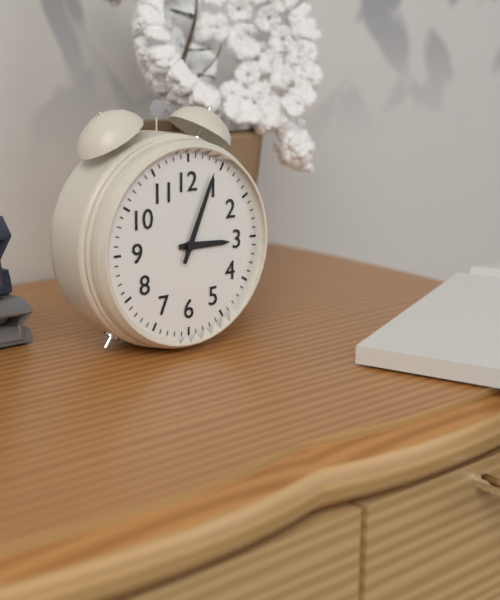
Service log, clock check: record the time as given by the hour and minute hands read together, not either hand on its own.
3:04
